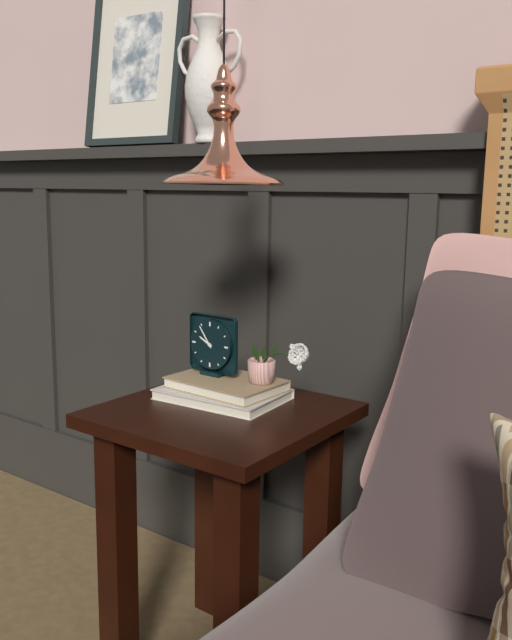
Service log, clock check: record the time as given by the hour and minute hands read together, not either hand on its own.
9:54
